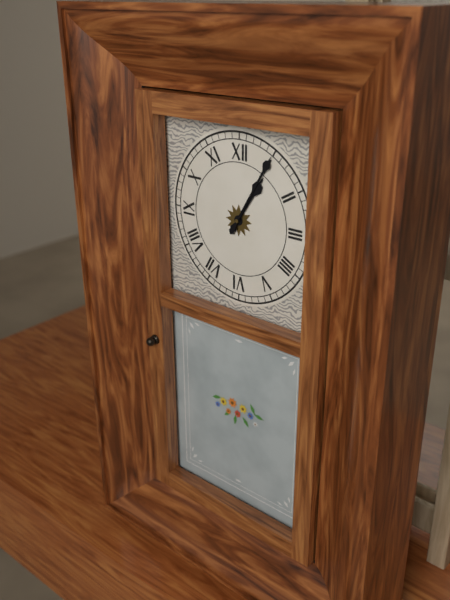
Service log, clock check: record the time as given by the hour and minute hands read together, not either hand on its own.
1:05
